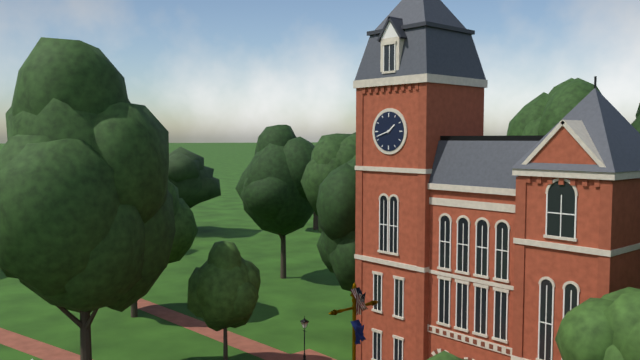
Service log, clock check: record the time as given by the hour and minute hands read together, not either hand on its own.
1:42
